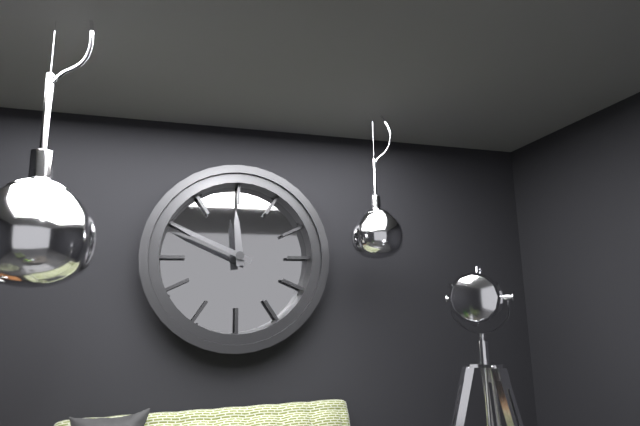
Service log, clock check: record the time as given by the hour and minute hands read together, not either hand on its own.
11:49
